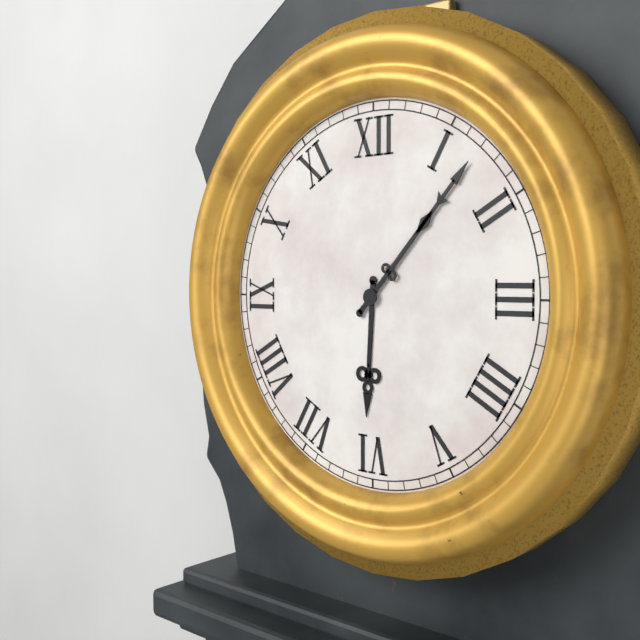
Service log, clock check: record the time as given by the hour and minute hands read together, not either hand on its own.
6:07
